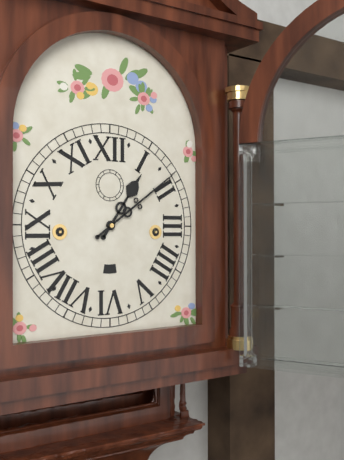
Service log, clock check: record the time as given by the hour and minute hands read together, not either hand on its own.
1:09
